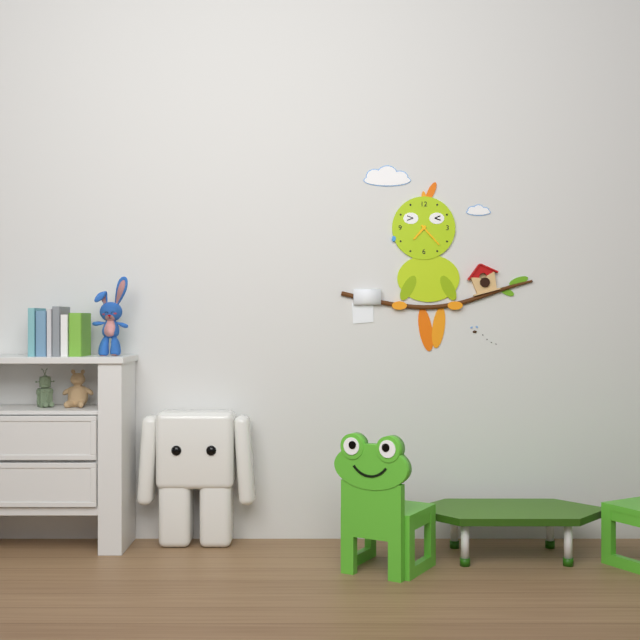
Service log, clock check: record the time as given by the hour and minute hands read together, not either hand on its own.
7:23
